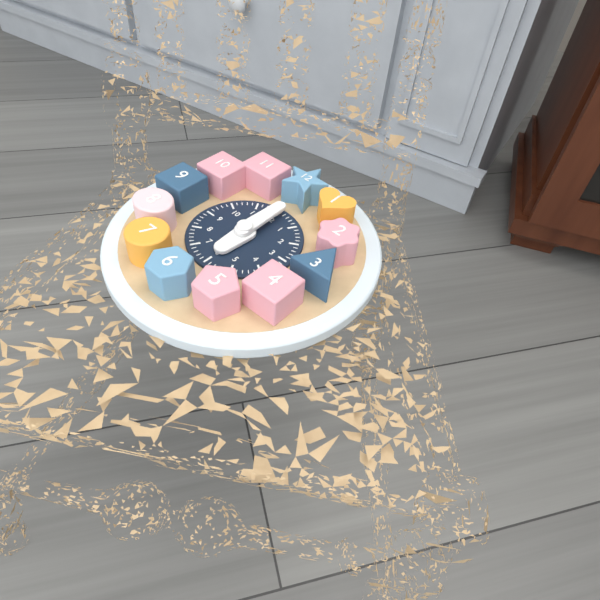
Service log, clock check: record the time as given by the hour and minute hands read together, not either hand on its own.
6:00
